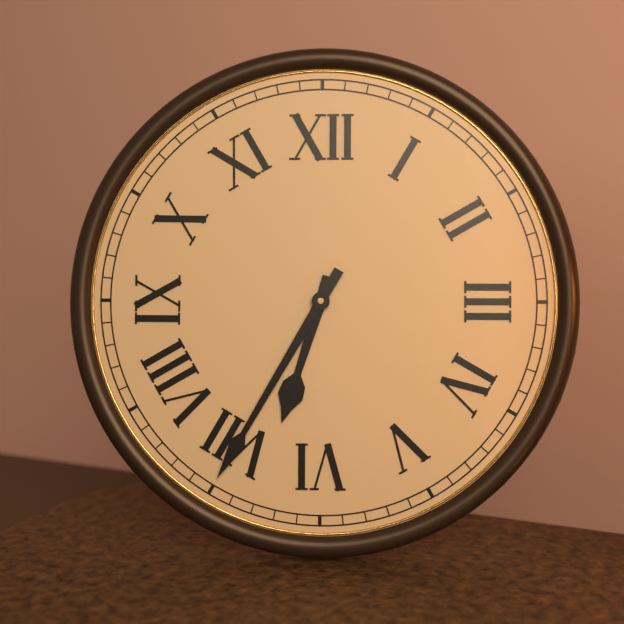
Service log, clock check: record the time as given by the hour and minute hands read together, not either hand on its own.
6:35
